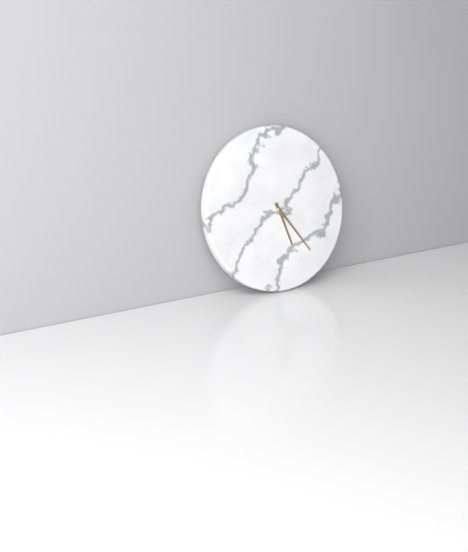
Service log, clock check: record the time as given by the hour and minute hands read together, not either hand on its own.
5:24
